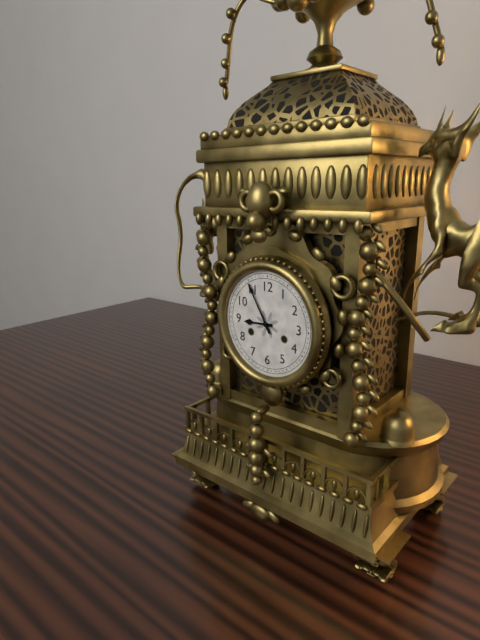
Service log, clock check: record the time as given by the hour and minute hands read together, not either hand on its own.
8:55
